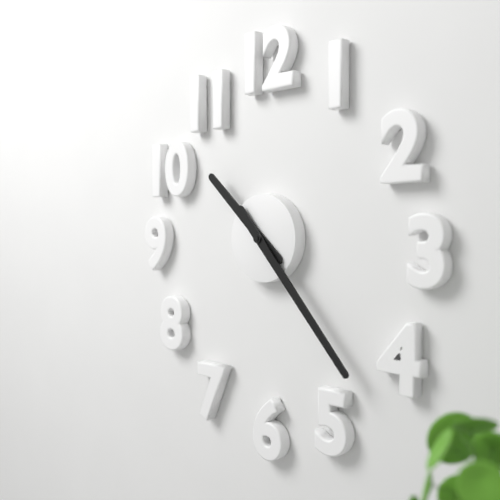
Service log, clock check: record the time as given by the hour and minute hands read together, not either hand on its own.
10:23
